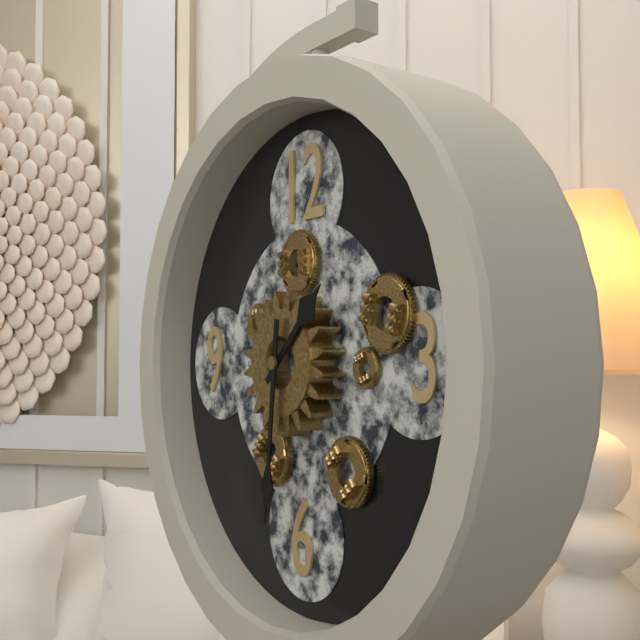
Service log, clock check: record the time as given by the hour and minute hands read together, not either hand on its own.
1:31
